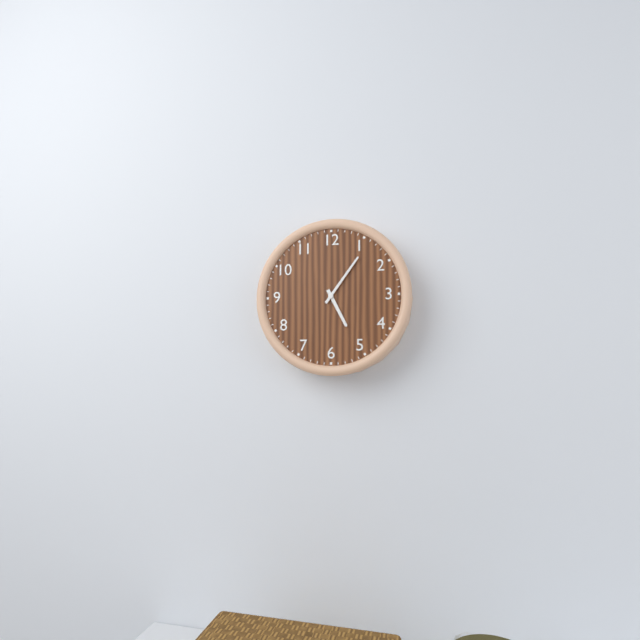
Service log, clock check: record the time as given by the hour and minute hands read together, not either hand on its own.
5:06
